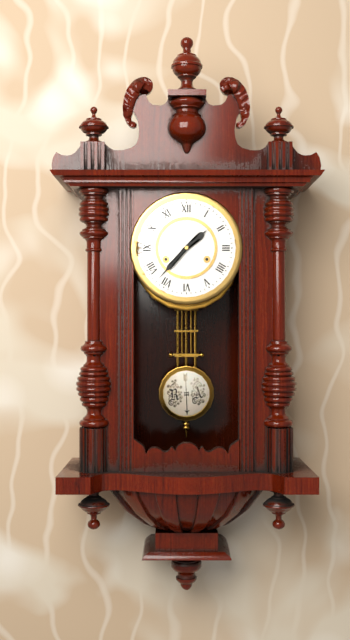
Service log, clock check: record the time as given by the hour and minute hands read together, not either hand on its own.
1:37
